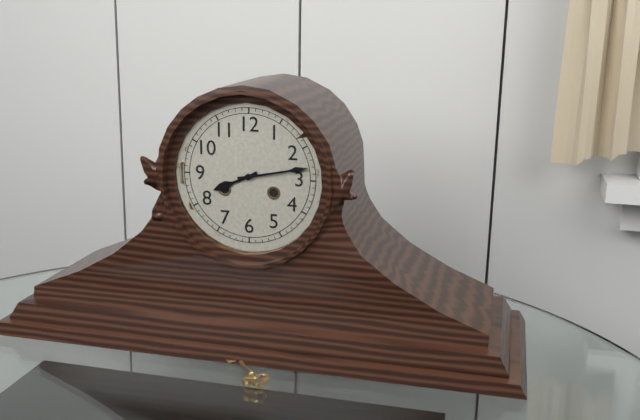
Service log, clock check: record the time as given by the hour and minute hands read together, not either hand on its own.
8:13
